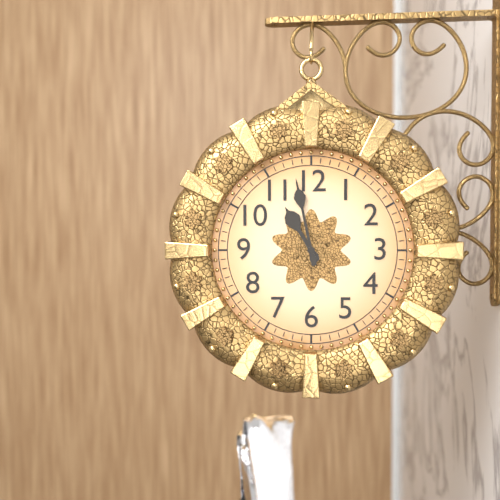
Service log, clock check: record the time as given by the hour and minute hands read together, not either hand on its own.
10:58
